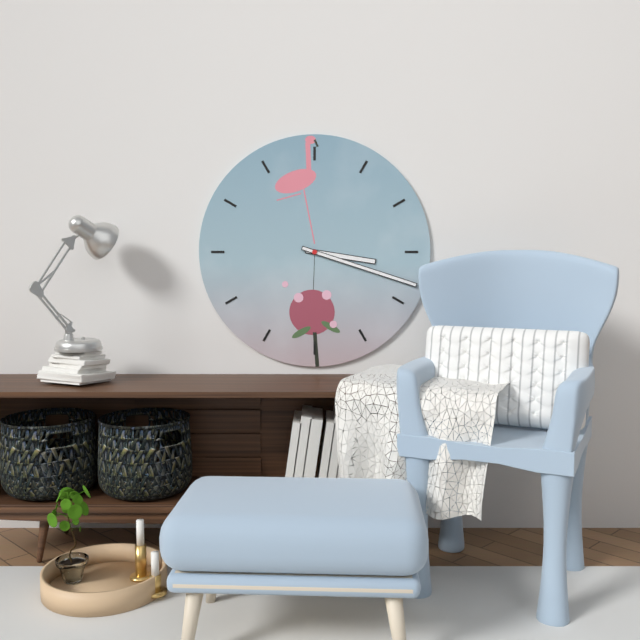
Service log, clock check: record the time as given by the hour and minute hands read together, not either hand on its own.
3:18
